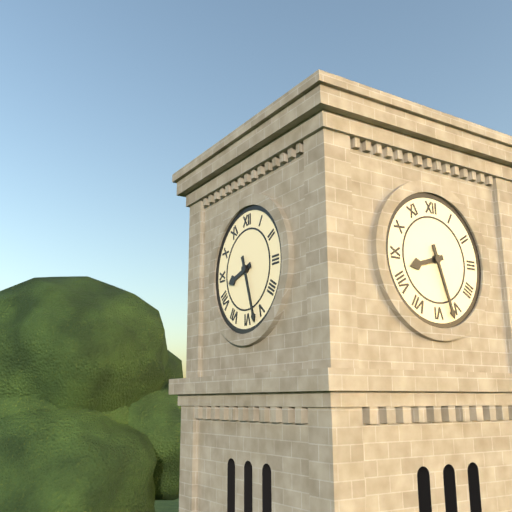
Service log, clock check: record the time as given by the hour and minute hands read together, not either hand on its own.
8:27
